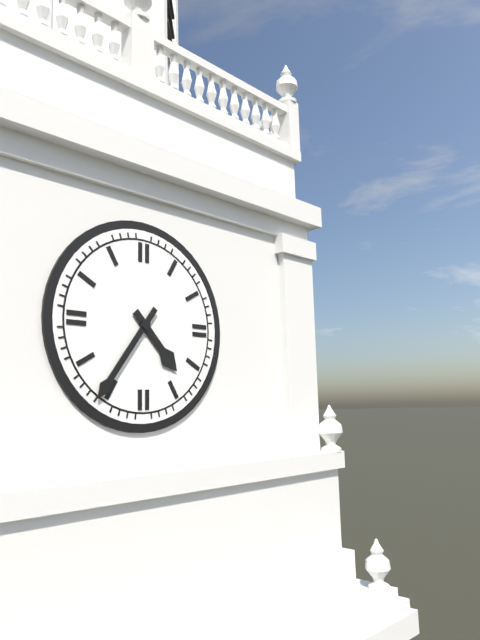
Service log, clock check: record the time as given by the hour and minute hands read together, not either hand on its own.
4:36
